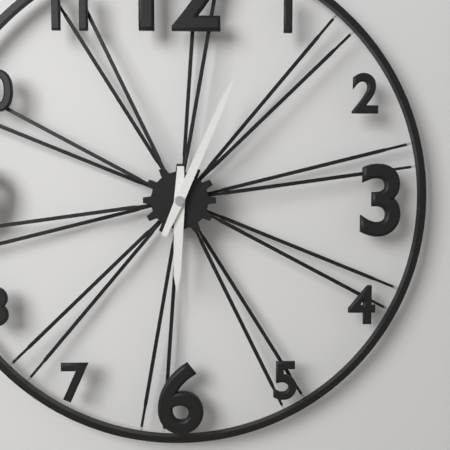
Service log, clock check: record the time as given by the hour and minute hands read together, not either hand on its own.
6:04
